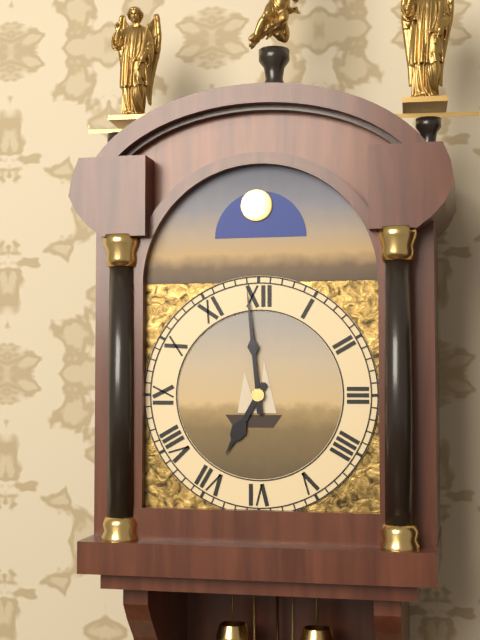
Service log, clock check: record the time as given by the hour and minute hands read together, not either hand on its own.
6:59
